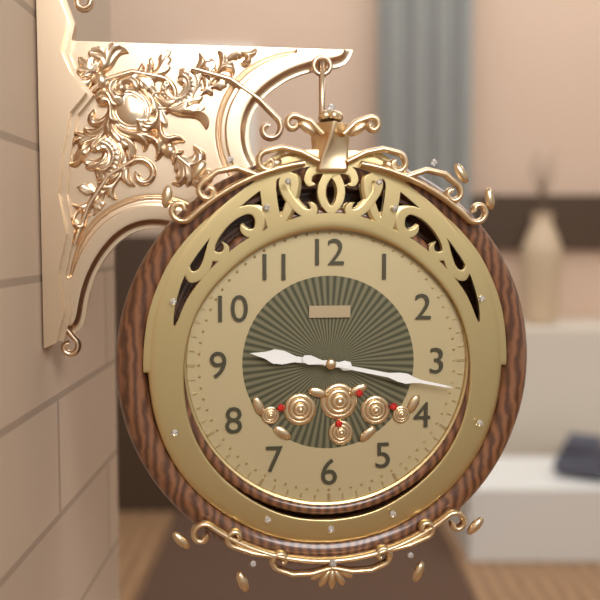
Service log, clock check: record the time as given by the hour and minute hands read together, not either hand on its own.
9:17
